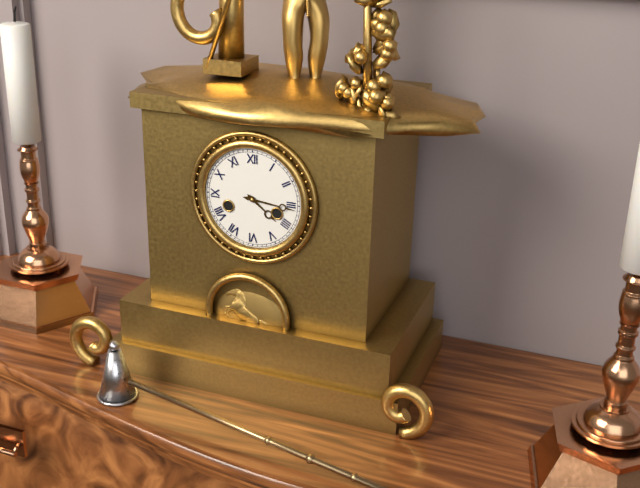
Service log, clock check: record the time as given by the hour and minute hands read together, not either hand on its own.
4:16
